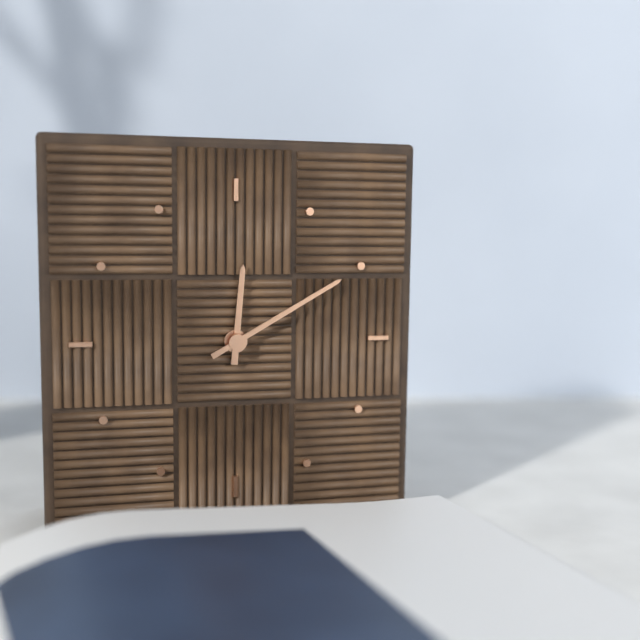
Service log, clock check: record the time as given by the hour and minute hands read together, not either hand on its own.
12:10
